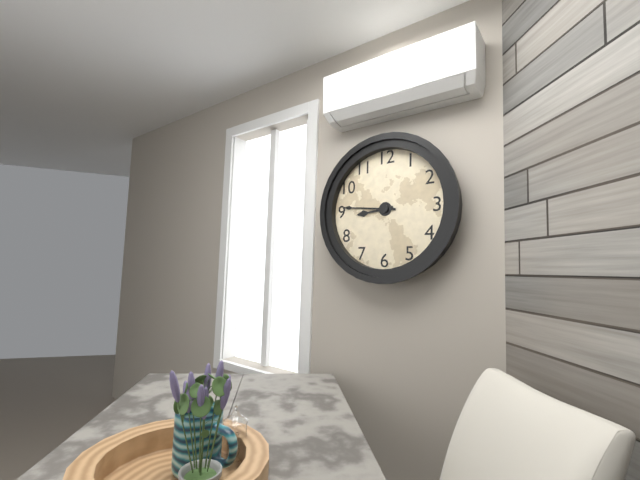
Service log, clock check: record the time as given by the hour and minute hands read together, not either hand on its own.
8:46
